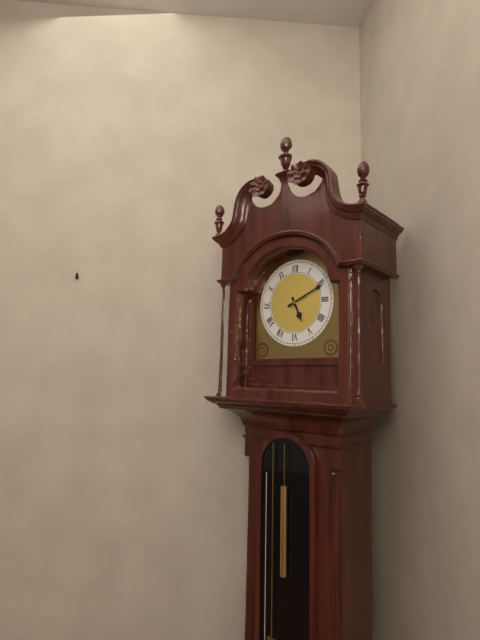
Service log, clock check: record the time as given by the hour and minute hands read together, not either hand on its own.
5:11
